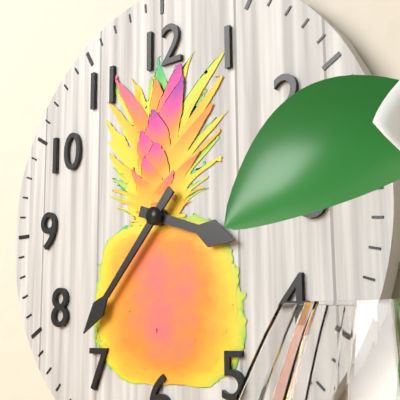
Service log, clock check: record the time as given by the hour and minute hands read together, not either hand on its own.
3:37
